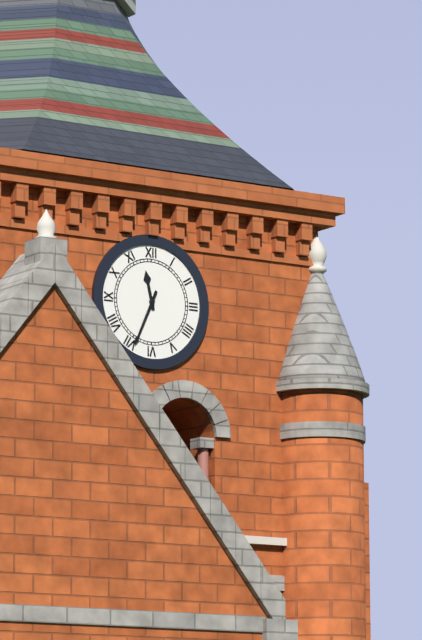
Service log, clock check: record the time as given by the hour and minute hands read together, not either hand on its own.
11:34
